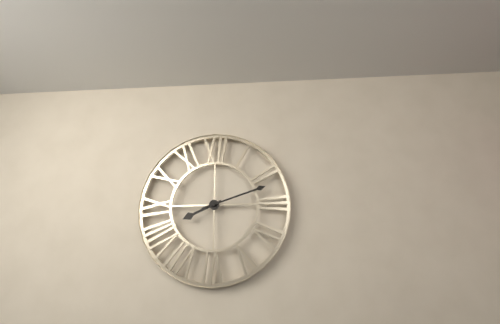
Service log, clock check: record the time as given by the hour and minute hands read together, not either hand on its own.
8:12
